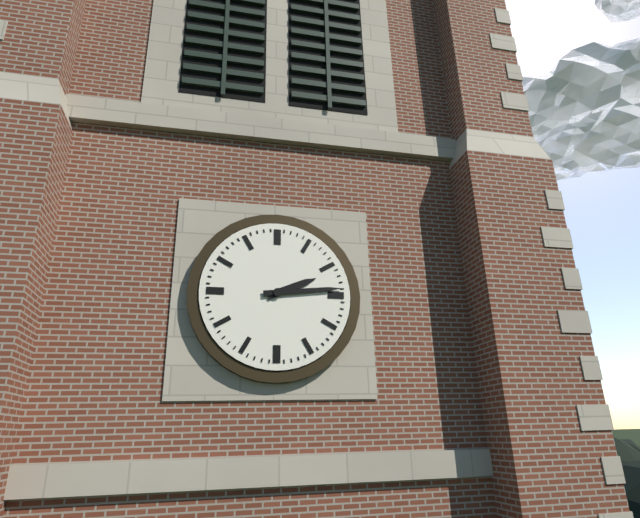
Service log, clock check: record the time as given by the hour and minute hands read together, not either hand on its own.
2:14
